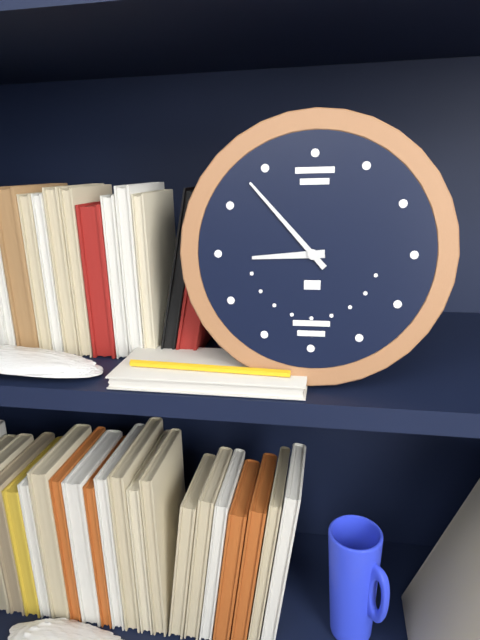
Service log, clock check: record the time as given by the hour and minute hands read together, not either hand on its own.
8:53
